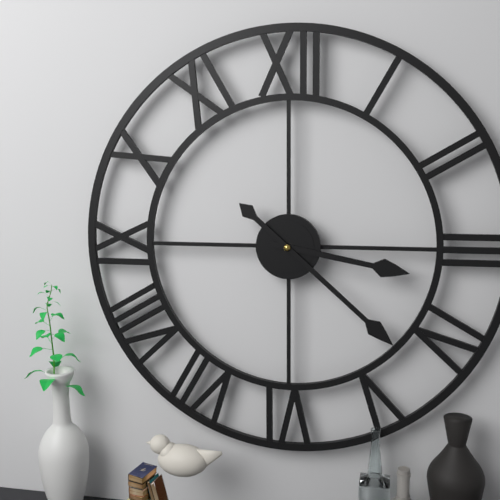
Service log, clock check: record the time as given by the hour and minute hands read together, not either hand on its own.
3:22
